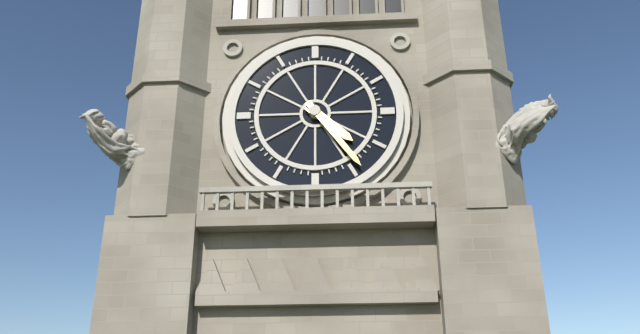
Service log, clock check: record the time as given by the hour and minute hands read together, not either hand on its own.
4:24
